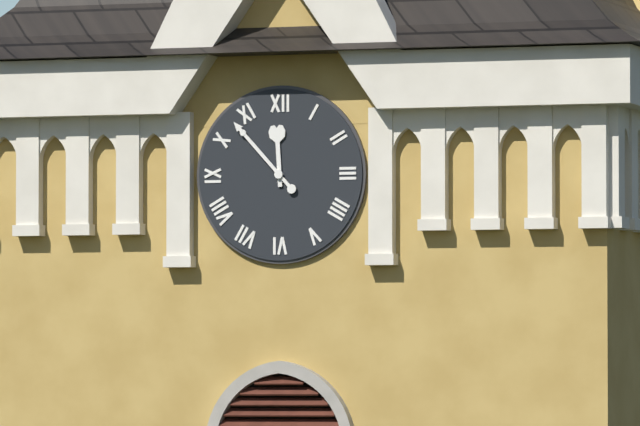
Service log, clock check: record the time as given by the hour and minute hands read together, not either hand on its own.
11:53
